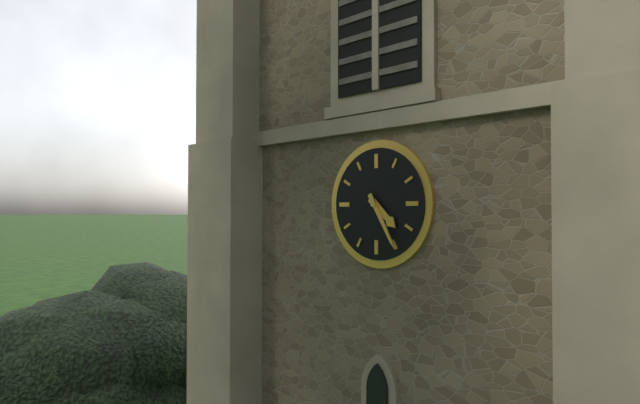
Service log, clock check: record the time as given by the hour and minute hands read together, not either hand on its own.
4:25
